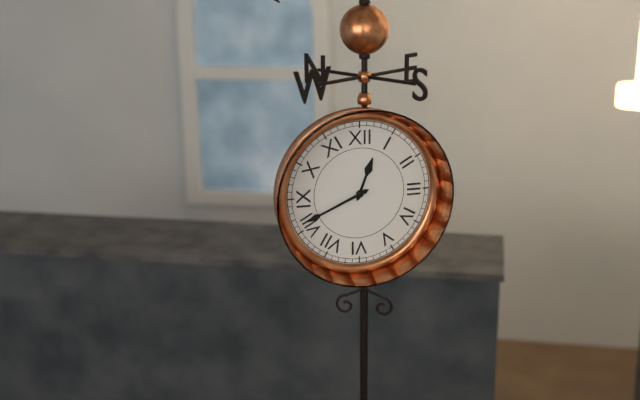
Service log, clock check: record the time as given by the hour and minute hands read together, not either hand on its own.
12:41
